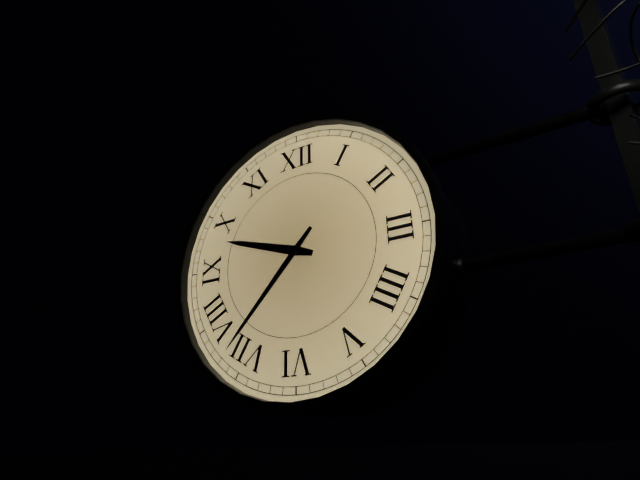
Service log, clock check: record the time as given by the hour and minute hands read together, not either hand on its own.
9:37
